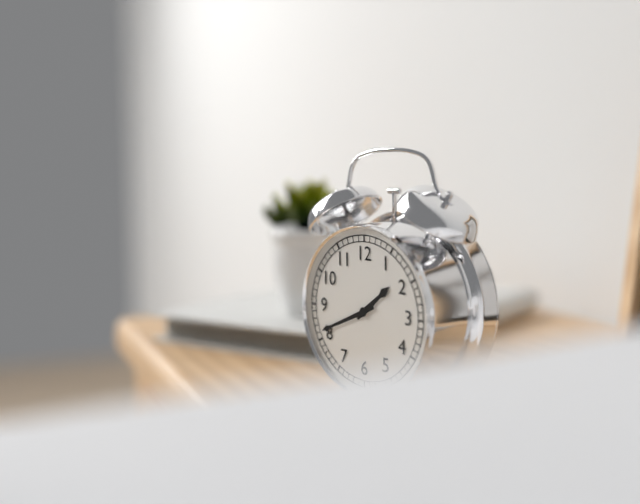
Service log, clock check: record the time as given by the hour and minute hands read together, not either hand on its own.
1:41
